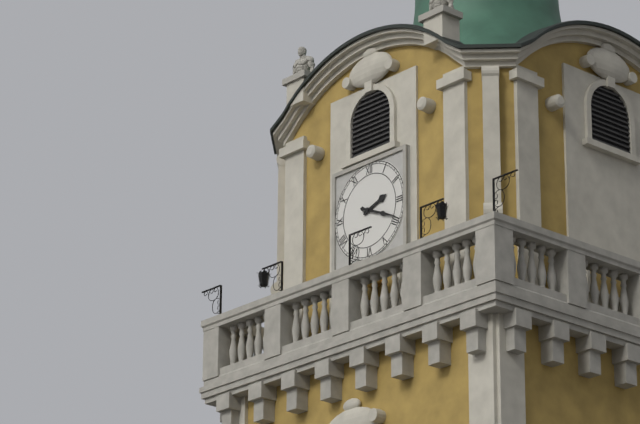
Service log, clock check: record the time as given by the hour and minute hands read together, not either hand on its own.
2:19
